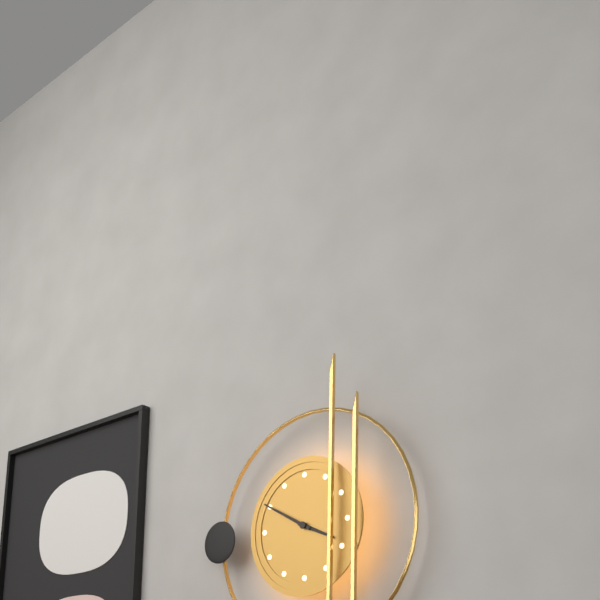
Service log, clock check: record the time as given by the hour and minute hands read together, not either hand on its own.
3:50
